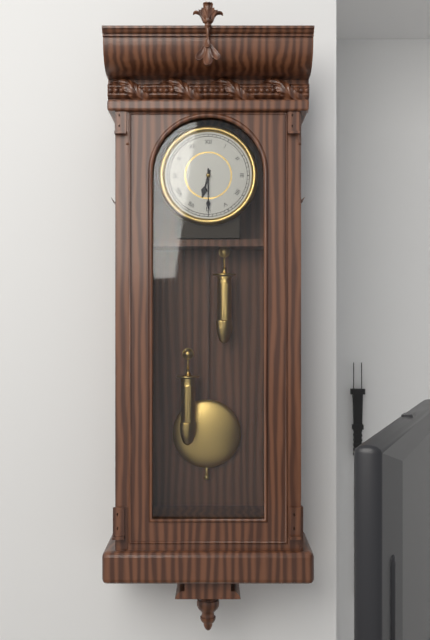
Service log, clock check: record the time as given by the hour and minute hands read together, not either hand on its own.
6:30
